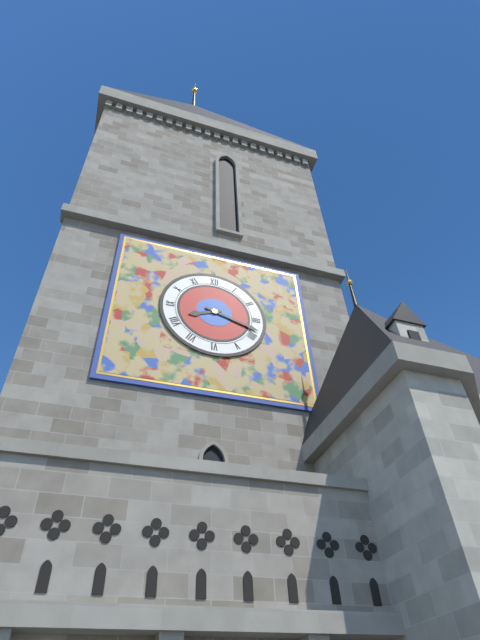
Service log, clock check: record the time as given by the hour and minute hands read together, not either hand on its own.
8:18
